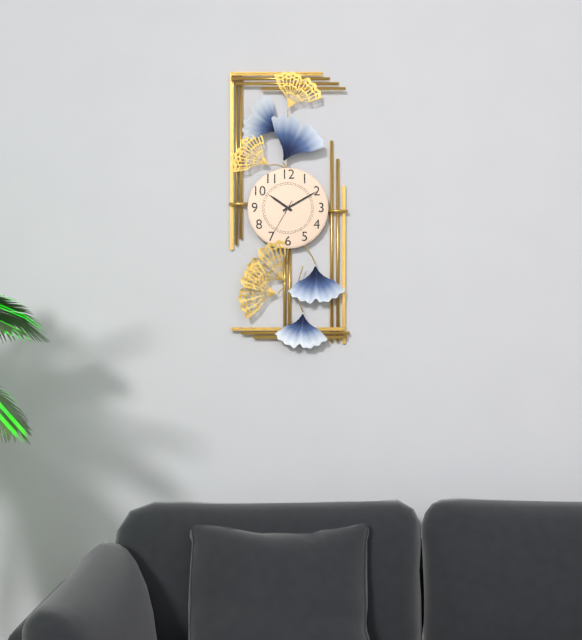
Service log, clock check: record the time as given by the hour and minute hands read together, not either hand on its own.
10:10
